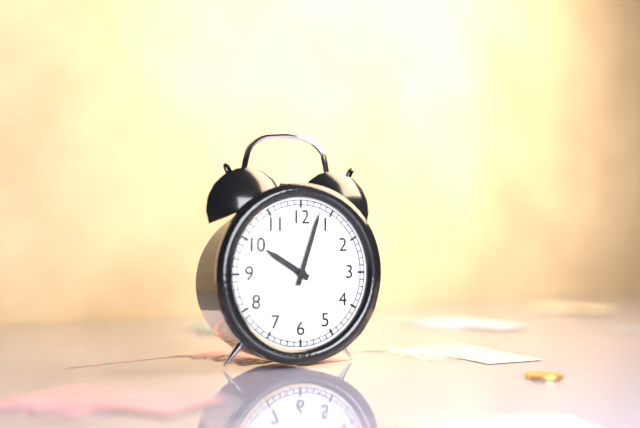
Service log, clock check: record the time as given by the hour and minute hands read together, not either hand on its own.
10:03
